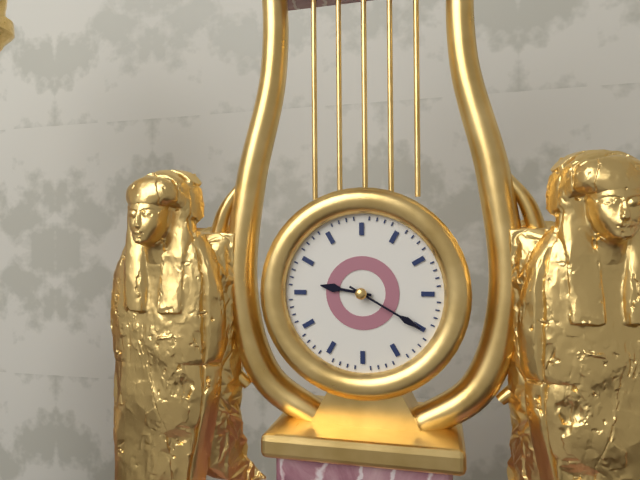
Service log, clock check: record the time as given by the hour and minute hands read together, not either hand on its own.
9:20
